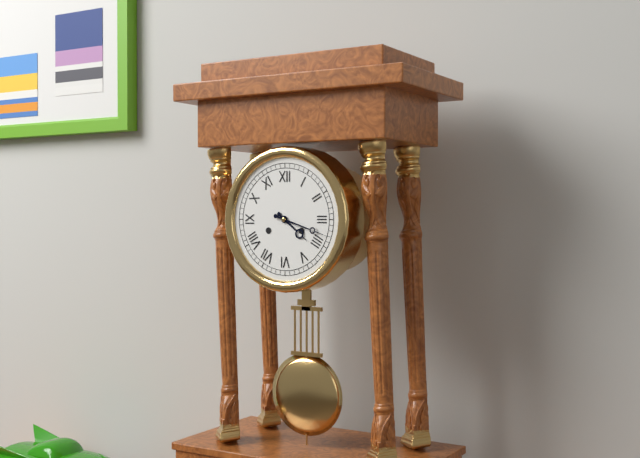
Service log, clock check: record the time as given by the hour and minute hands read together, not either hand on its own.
4:18
